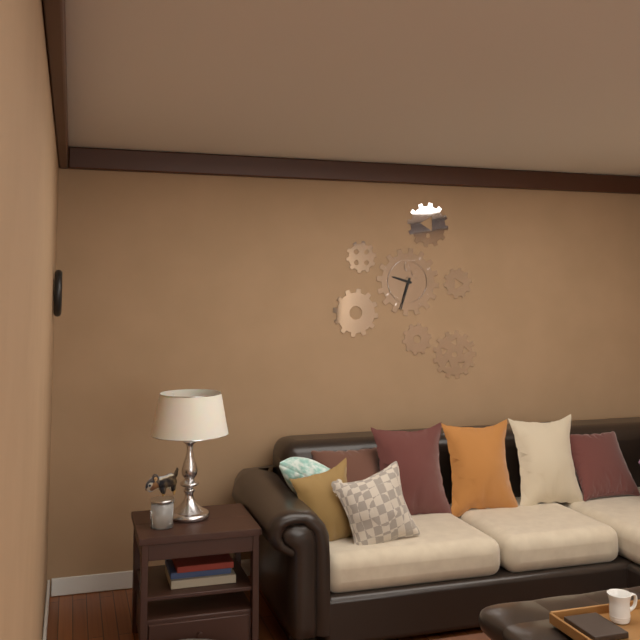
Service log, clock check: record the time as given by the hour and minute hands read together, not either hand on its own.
9:33
